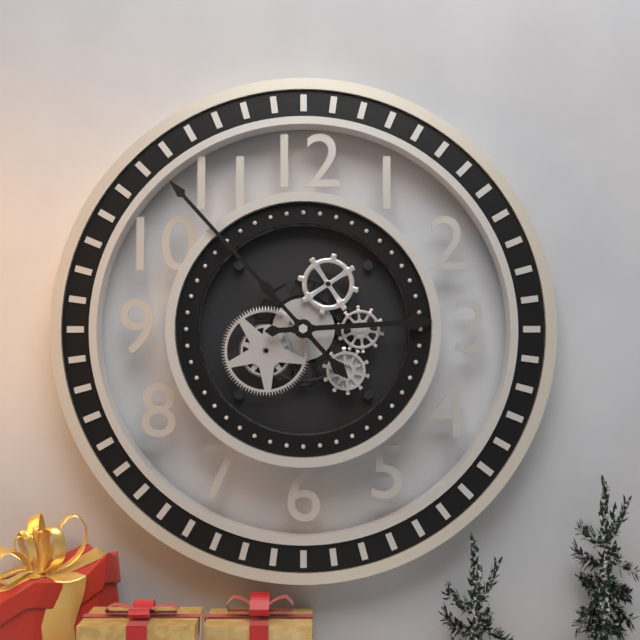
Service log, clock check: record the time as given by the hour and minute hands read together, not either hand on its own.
2:53
